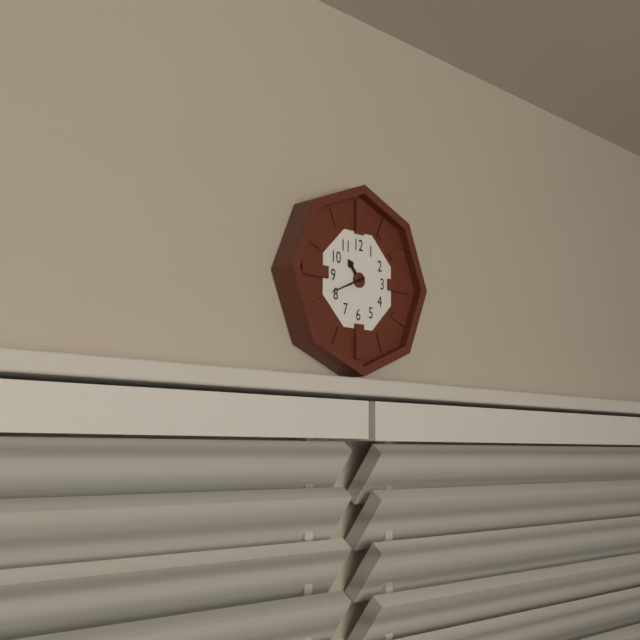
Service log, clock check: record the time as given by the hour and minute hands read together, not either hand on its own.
10:41
